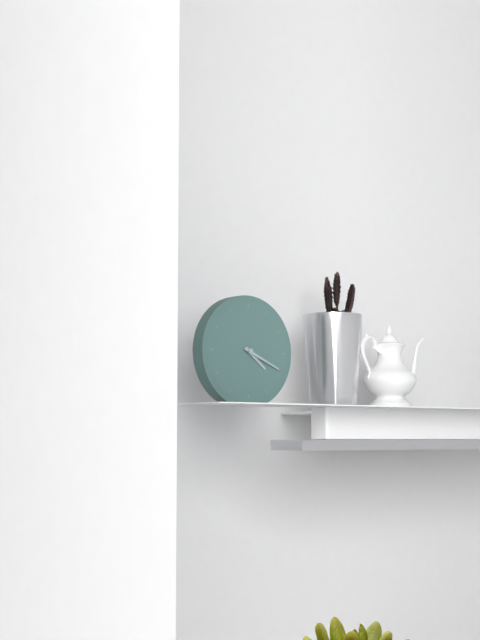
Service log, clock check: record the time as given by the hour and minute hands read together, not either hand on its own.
4:19
